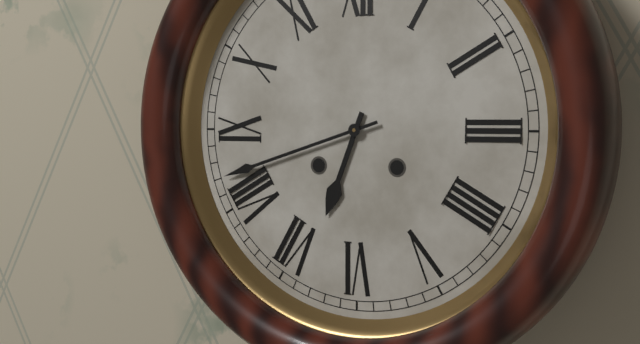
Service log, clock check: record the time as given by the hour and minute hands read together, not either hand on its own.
6:42
